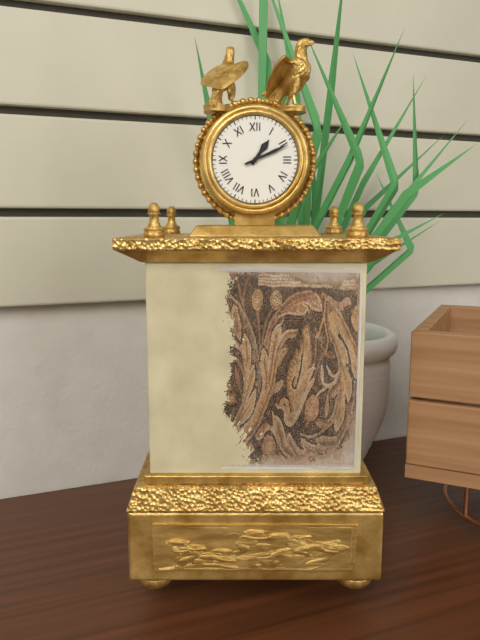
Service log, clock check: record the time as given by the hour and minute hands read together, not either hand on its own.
1:11
